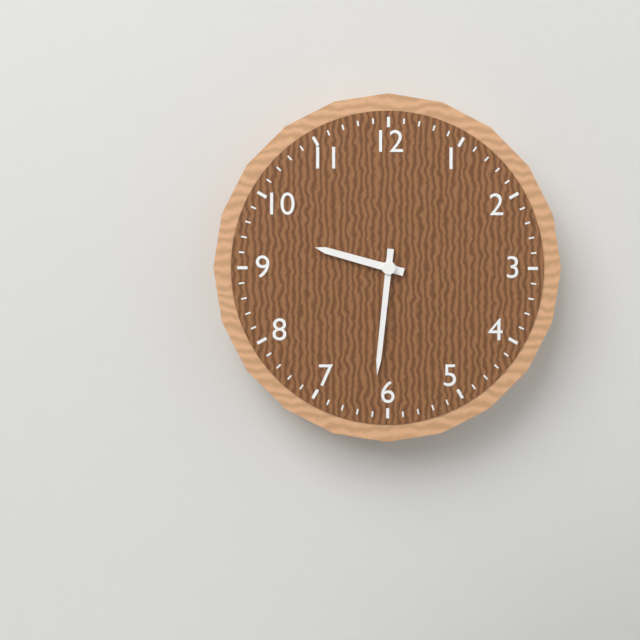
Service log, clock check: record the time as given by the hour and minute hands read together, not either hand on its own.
9:31
